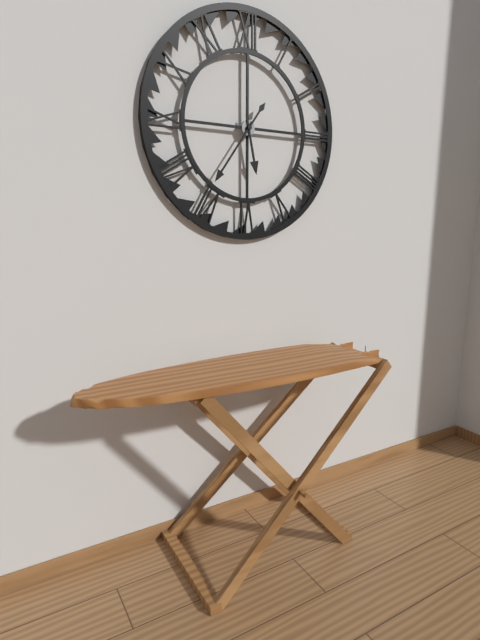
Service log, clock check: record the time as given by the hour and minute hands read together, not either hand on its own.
5:36
